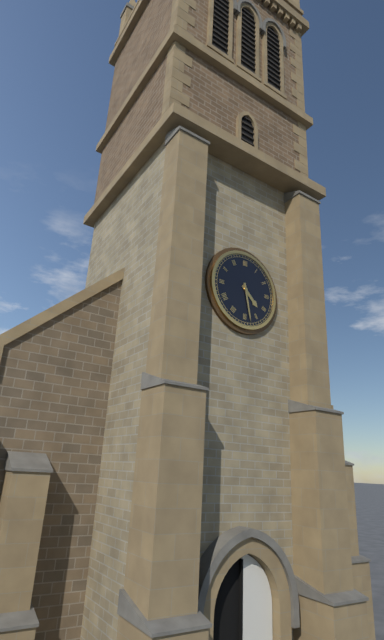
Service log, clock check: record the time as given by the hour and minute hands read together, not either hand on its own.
4:28
